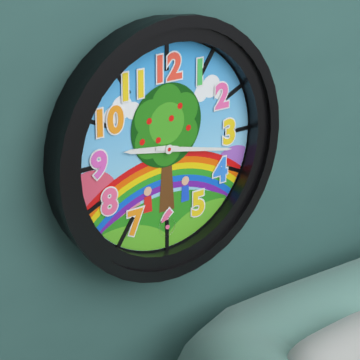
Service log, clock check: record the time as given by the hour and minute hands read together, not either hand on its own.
9:17
